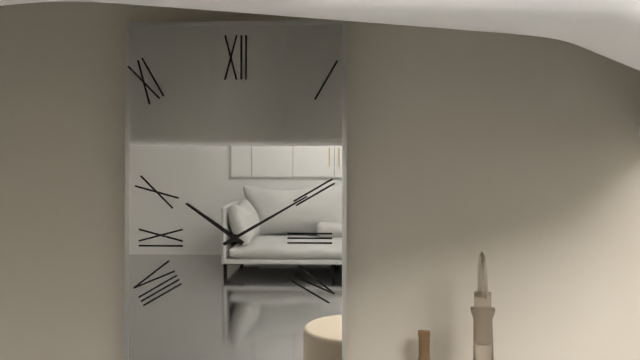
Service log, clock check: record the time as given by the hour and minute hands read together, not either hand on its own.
10:10
